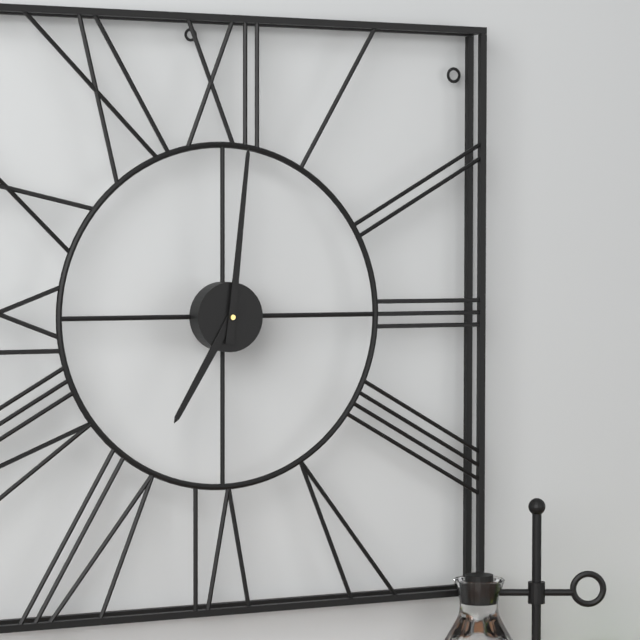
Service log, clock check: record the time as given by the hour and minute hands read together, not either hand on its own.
7:01
